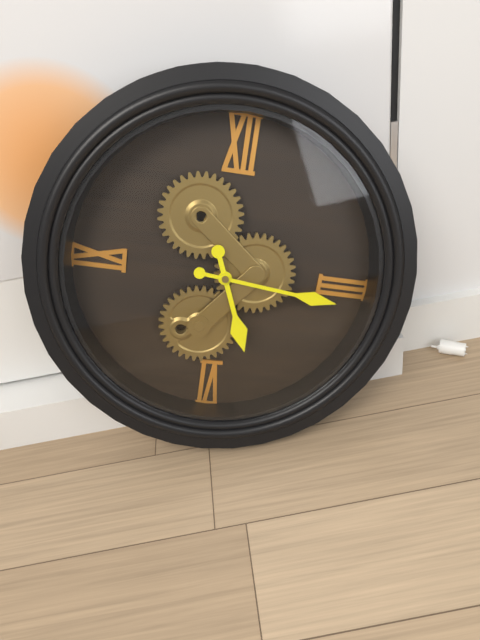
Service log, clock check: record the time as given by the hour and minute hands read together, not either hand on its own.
5:16
